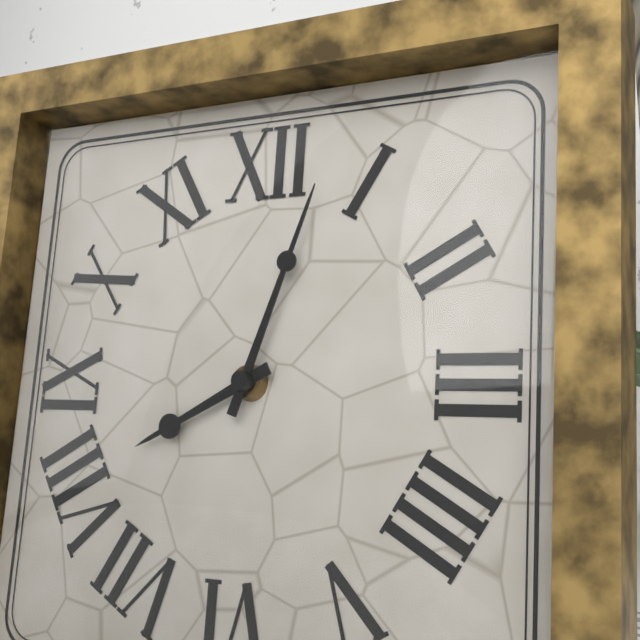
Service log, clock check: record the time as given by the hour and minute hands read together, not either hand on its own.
8:03
